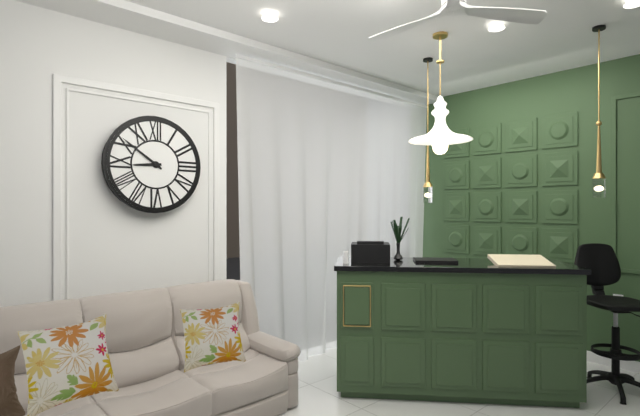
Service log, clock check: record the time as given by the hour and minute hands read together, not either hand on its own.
8:51
